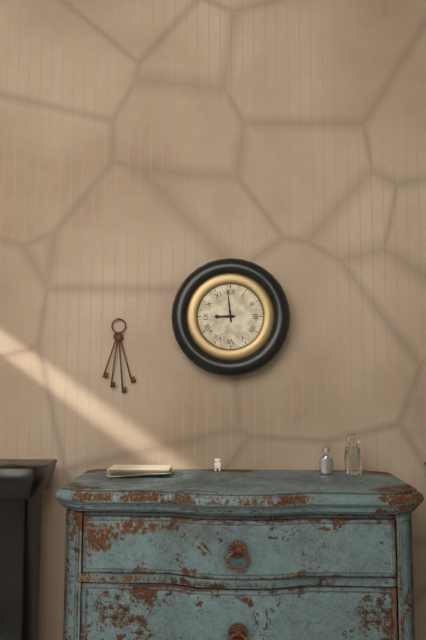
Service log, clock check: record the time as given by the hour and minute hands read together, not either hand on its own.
8:59
